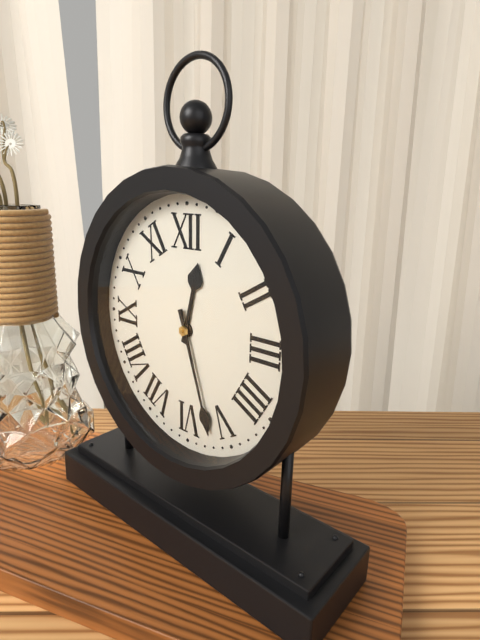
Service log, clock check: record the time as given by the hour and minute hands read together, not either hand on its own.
12:27
